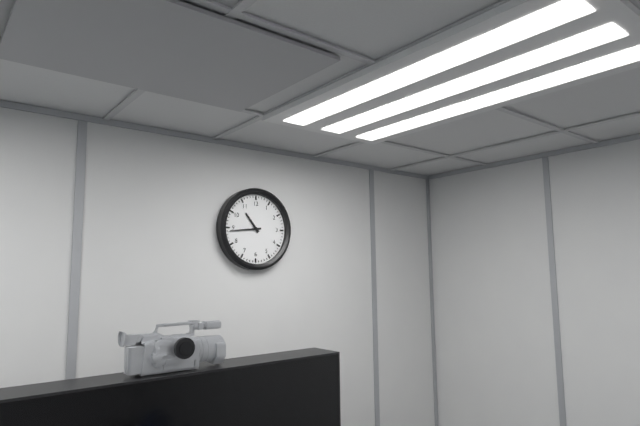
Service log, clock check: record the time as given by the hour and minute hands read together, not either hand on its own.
10:44
